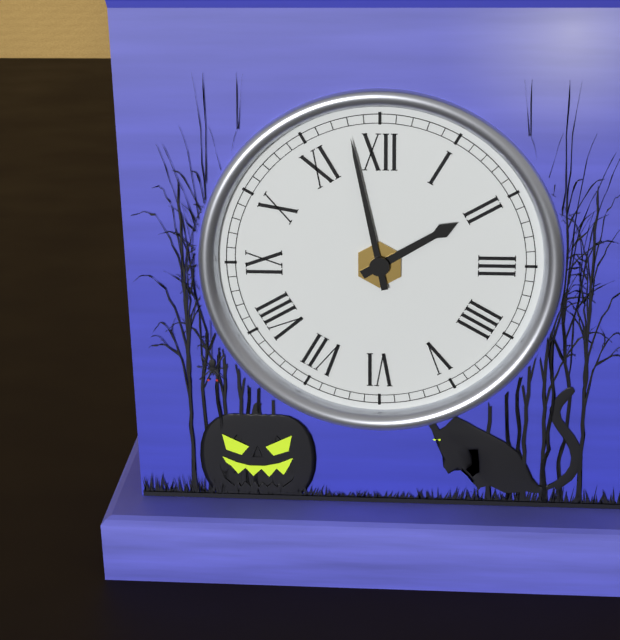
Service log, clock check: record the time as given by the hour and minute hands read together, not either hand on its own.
1:58
